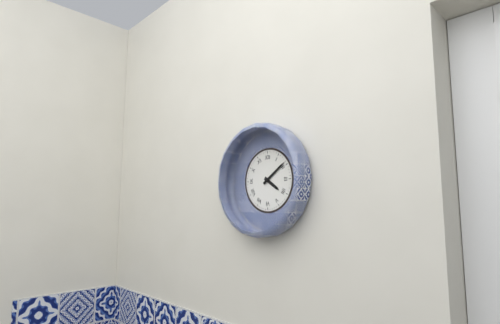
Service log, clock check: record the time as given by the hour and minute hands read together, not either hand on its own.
4:09
